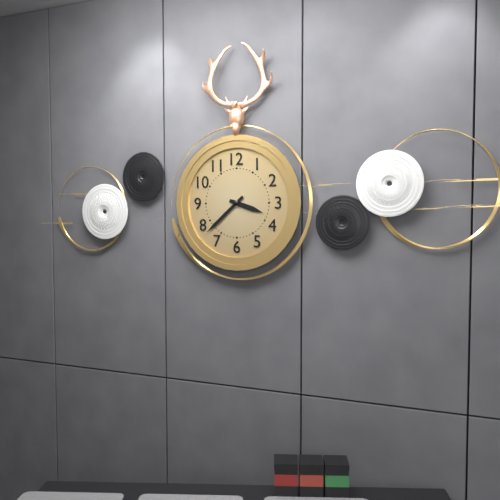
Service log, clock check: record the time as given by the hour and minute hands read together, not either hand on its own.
3:38
